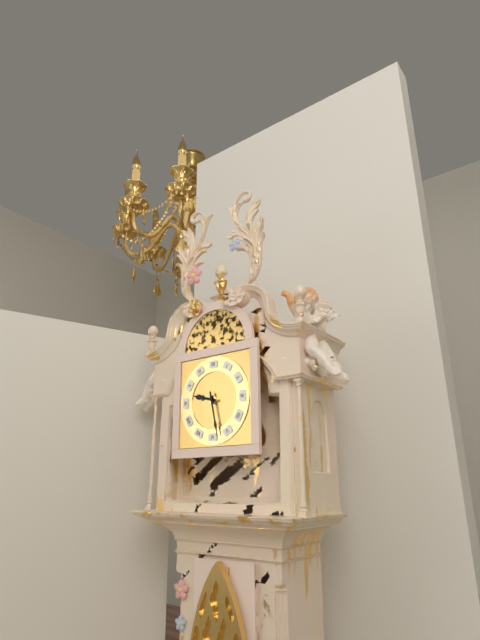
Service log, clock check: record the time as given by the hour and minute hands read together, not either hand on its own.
9:28
